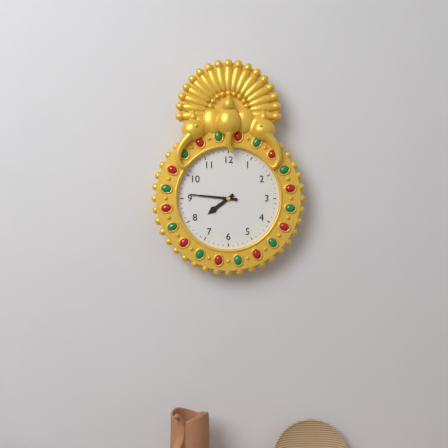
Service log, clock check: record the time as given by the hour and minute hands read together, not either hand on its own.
7:46
